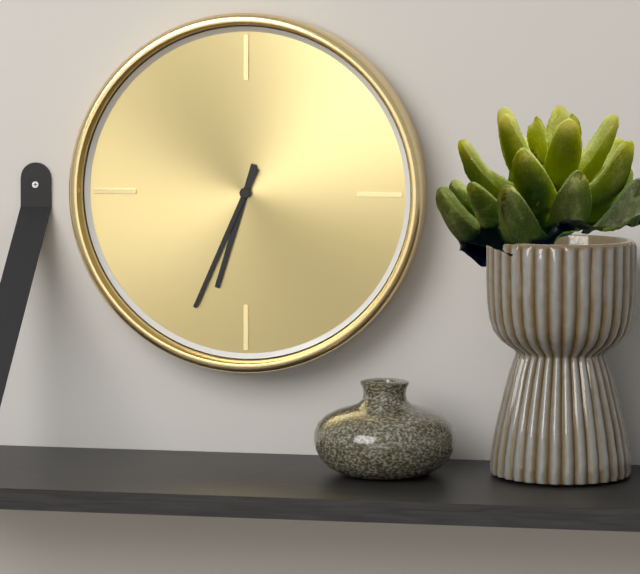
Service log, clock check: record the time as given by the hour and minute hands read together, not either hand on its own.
6:34
